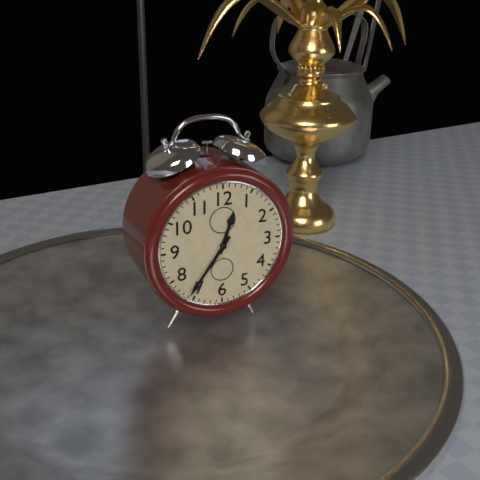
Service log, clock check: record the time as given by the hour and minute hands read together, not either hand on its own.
12:36
